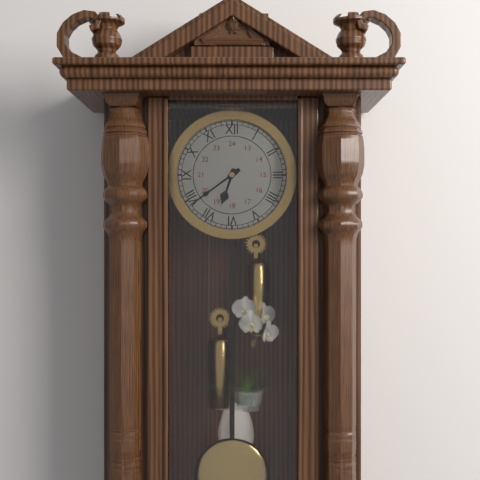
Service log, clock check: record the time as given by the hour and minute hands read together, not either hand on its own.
6:39
